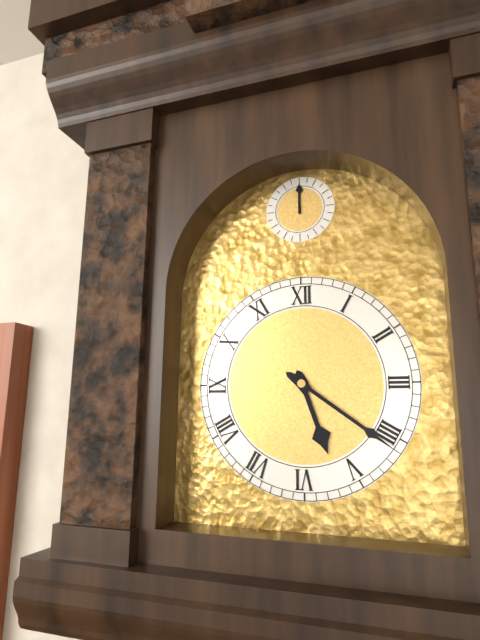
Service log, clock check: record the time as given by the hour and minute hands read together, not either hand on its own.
5:21
